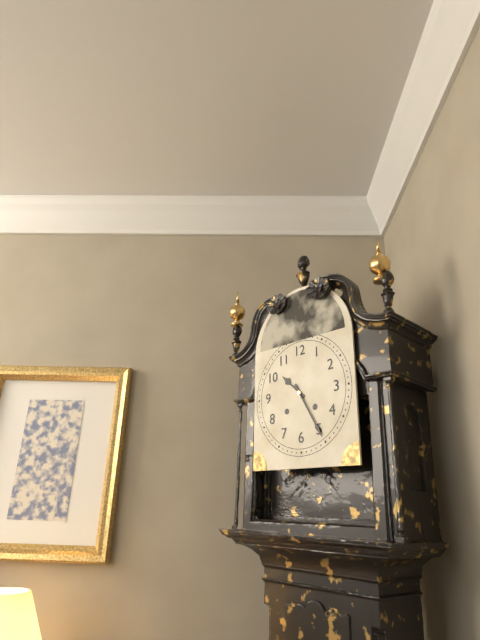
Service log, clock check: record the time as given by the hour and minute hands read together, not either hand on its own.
10:25
